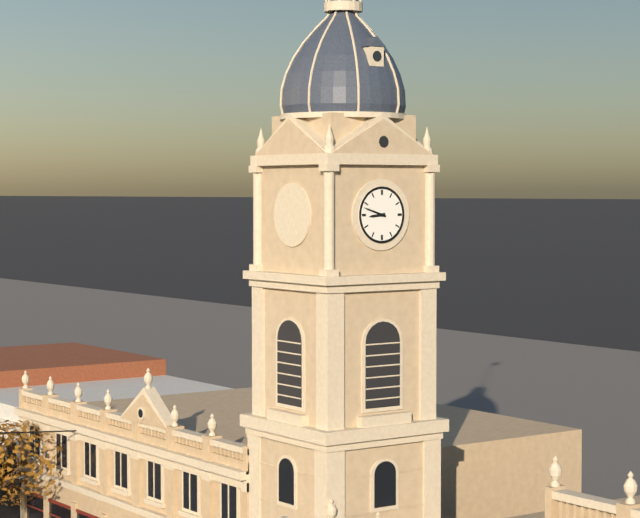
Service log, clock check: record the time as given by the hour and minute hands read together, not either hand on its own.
8:48
